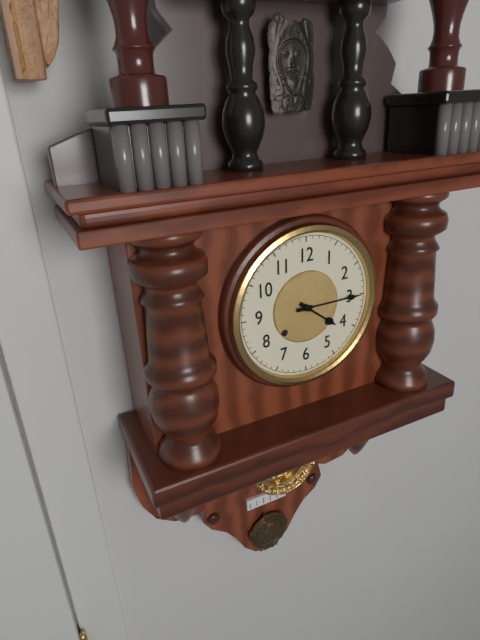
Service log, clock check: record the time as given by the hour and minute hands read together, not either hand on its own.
4:15
